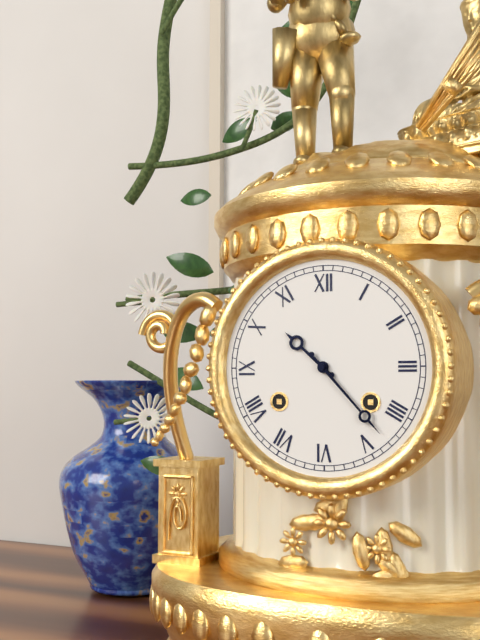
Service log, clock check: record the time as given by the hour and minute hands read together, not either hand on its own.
10:23
